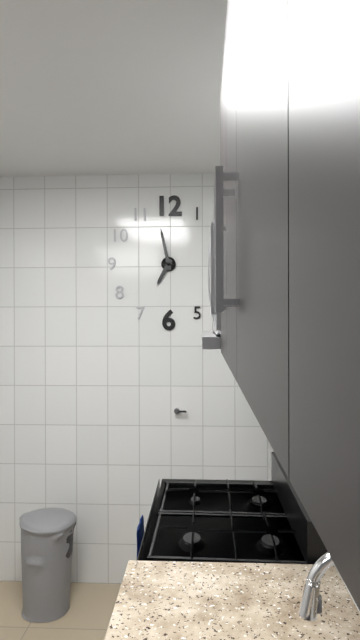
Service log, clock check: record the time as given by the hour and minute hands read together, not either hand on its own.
6:58
